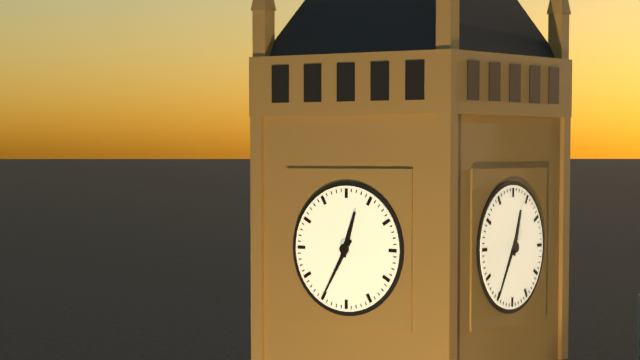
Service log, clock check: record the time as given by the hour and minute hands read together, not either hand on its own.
12:35
